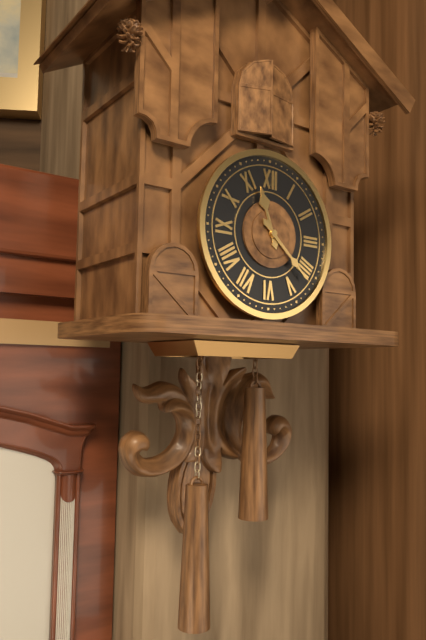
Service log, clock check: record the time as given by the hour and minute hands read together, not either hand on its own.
11:22
